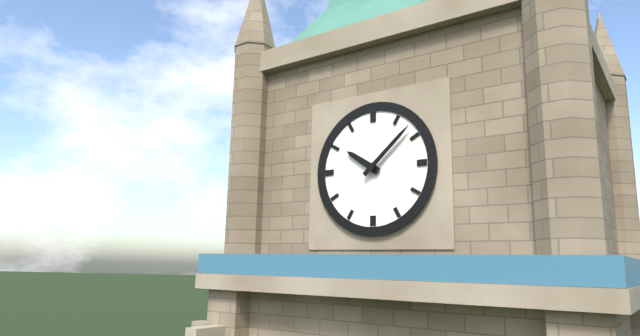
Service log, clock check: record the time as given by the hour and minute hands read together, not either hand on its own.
10:08
